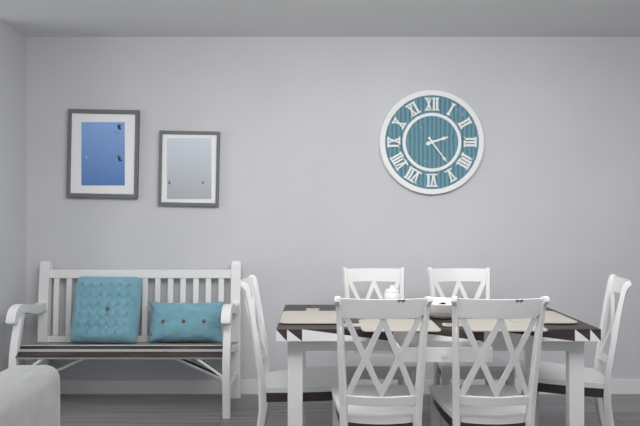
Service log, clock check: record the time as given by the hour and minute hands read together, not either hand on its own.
2:24
